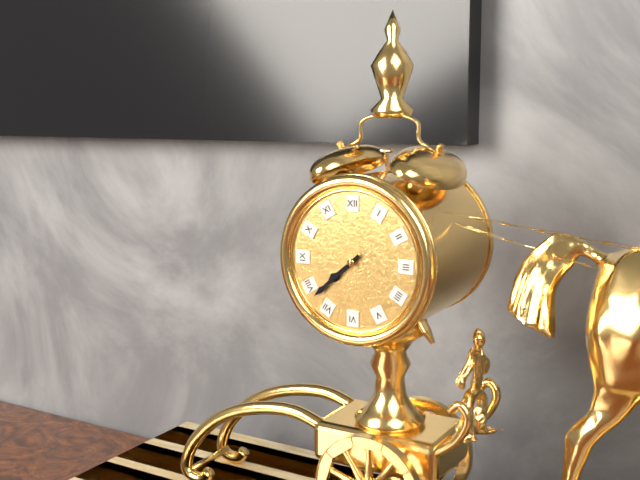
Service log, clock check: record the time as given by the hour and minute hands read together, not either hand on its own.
7:38
